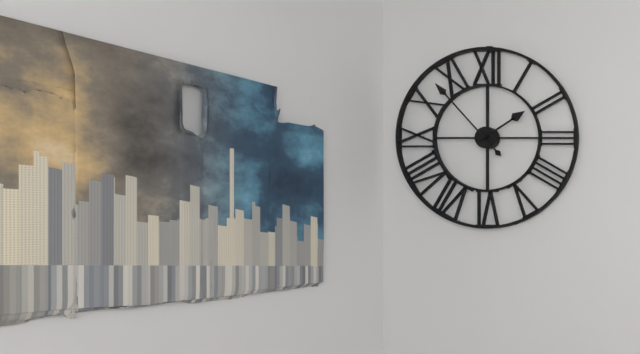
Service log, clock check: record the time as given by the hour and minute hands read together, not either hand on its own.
1:53
